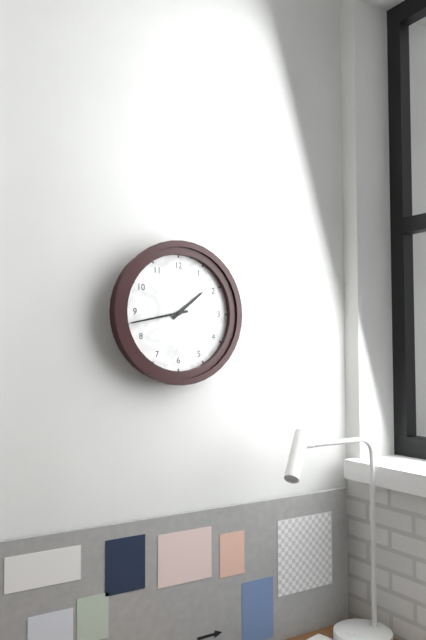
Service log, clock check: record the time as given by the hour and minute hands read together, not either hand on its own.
1:43
